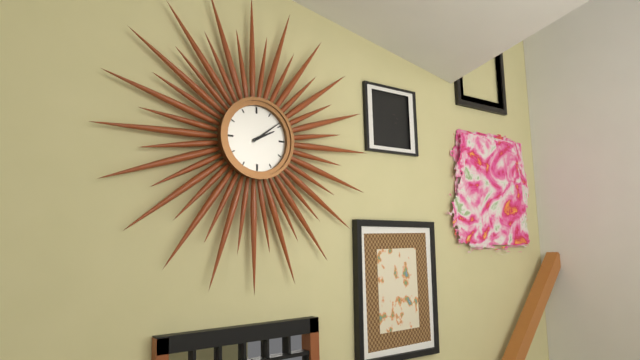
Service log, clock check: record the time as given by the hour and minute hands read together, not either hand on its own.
2:09
